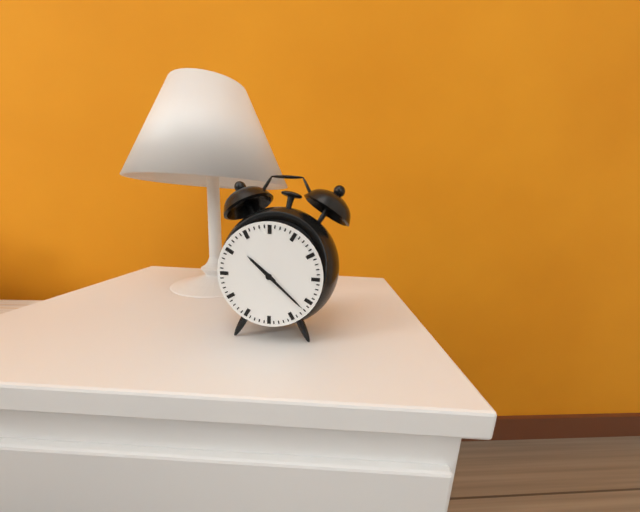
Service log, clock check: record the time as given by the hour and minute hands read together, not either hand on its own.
10:22
